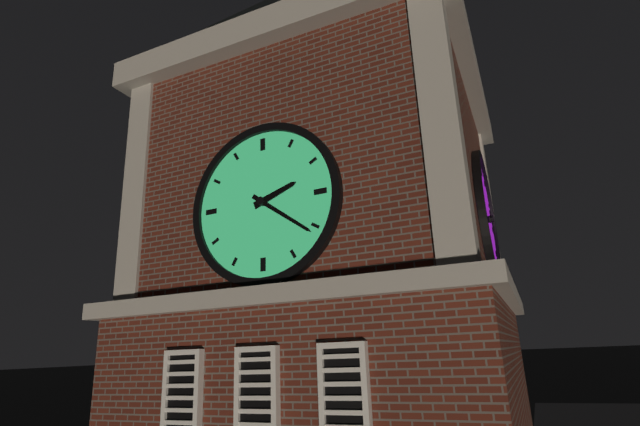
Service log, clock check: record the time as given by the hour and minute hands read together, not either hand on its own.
2:21
